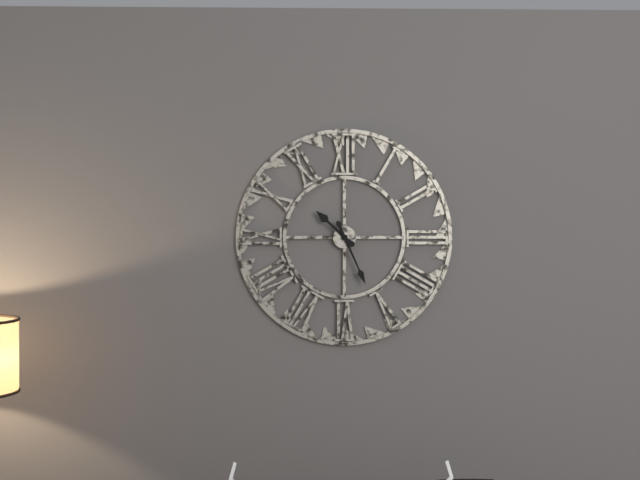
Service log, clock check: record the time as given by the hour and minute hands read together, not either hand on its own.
10:26
